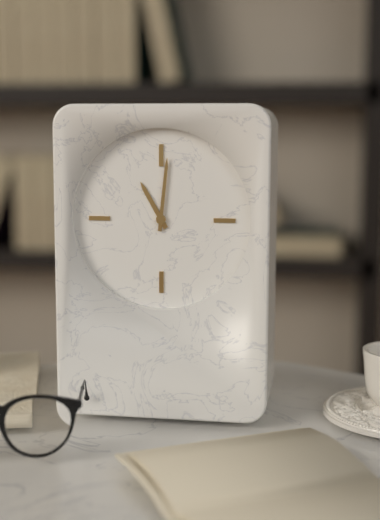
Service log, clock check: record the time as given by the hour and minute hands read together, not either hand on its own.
11:01
